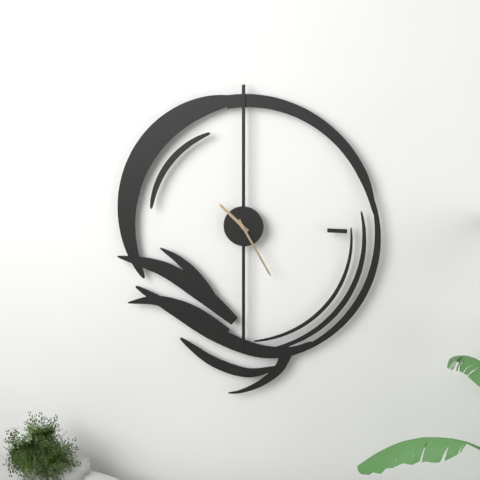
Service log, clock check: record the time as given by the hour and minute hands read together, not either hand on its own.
10:25
